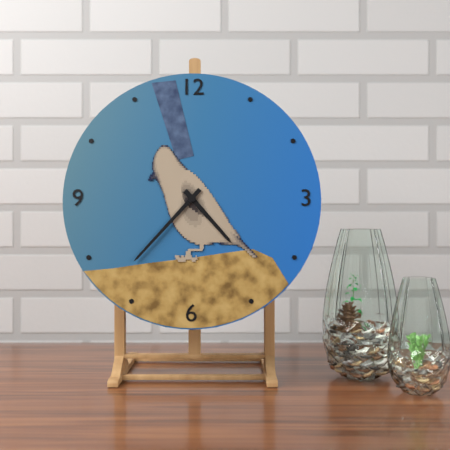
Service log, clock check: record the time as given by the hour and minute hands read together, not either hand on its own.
4:37
